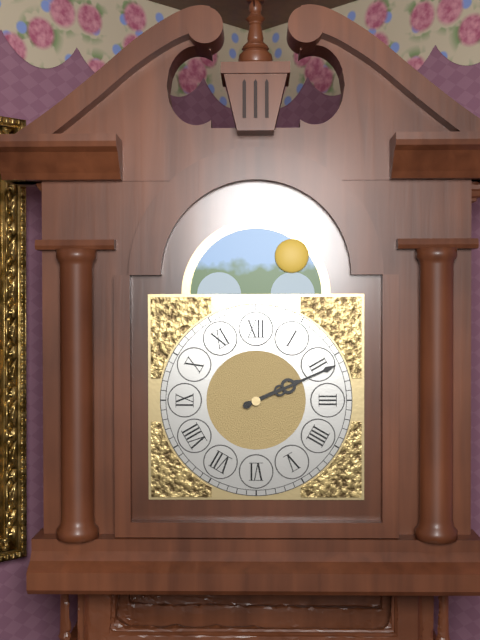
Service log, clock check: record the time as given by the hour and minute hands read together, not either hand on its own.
2:11
